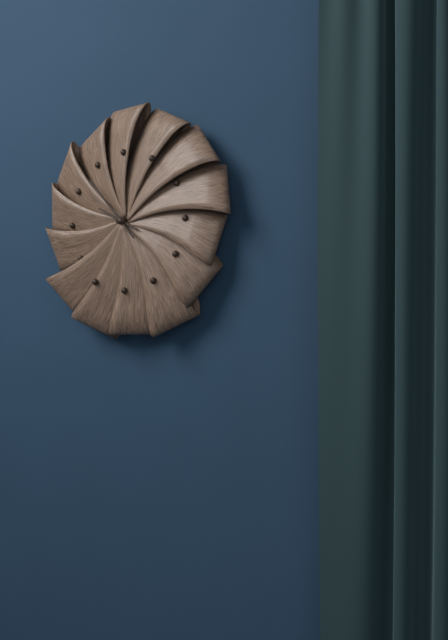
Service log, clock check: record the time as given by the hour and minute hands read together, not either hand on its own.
9:53
